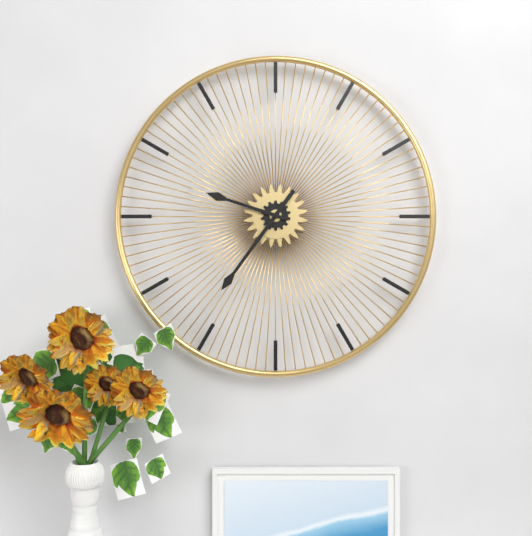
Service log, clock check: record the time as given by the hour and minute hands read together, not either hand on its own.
9:36
